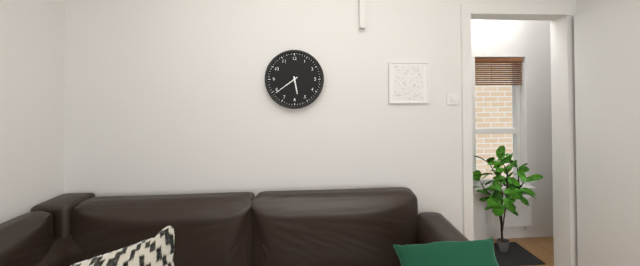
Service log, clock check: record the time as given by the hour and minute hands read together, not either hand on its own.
5:39
